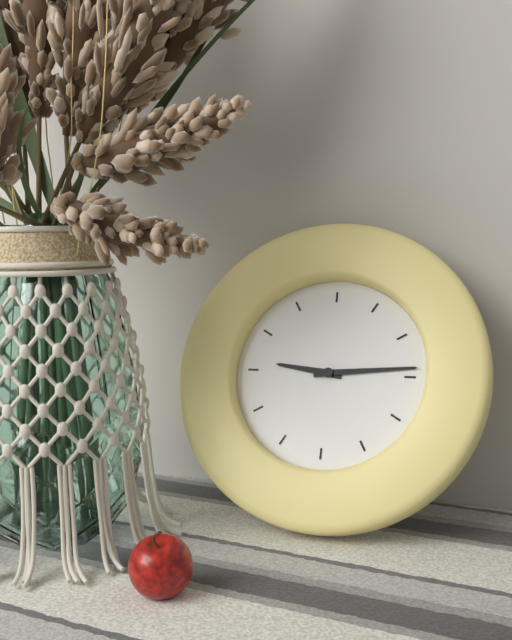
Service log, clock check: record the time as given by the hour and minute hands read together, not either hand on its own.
9:14
